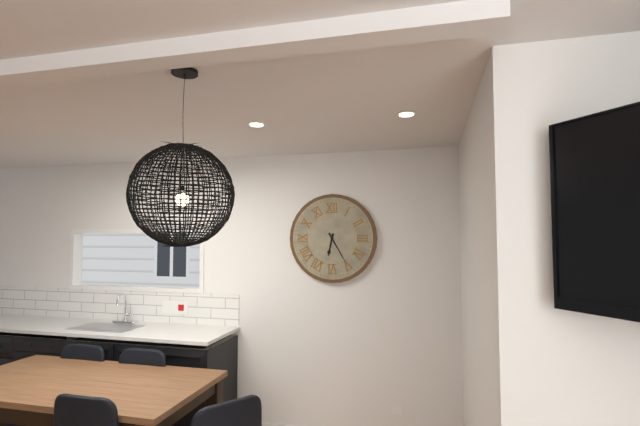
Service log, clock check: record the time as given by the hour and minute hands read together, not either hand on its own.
6:25
